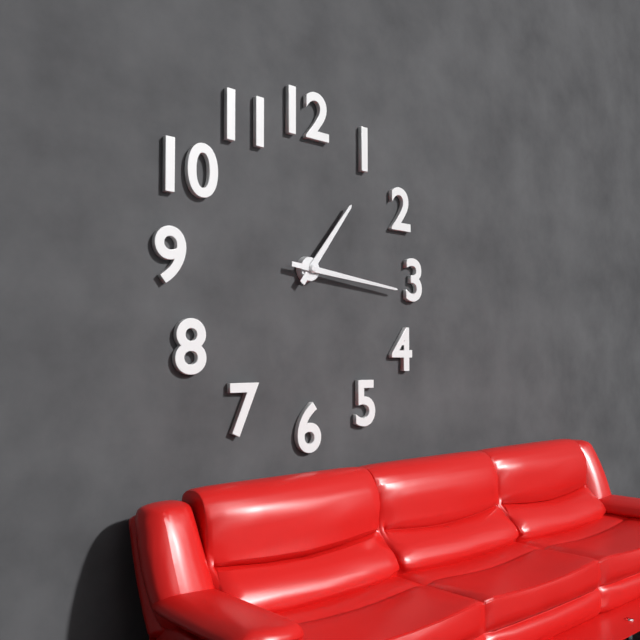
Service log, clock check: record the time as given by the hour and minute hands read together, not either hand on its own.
1:16
